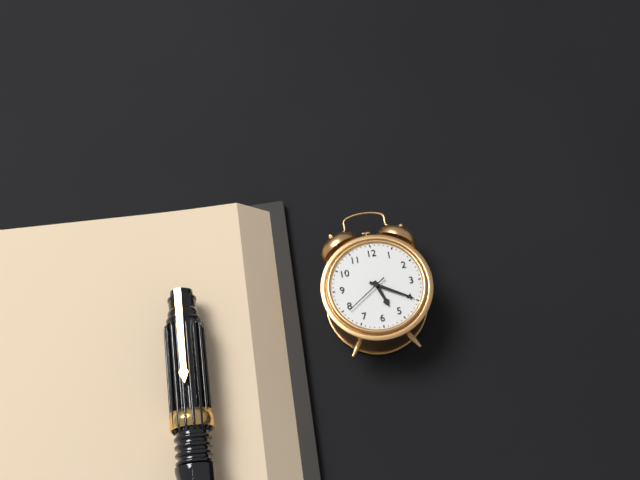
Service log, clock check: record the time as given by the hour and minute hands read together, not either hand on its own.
5:20
